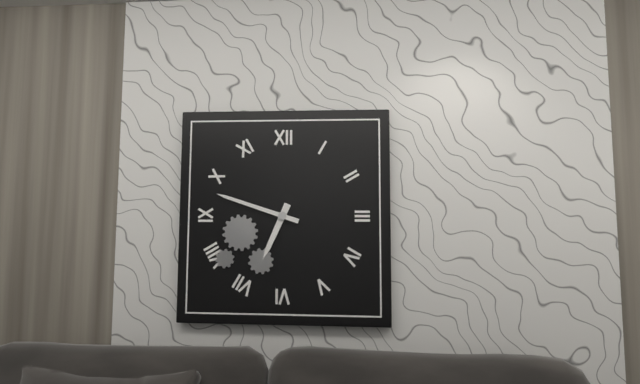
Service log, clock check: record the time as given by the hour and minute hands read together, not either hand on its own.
6:48
